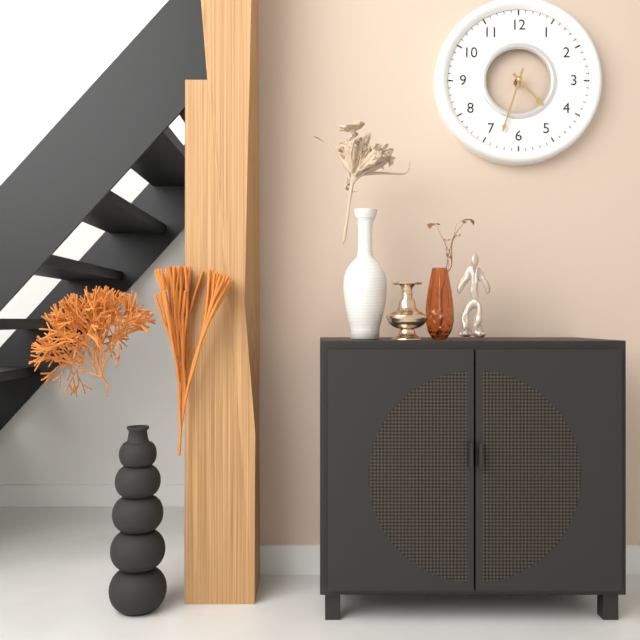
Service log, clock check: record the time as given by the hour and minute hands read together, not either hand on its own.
4:33
